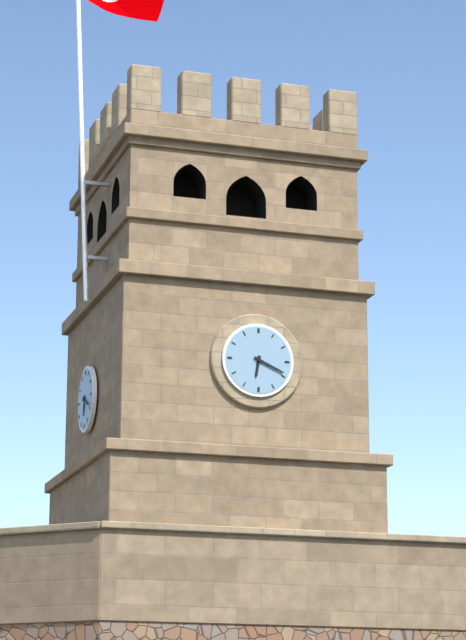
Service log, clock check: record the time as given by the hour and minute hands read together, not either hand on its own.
6:19
